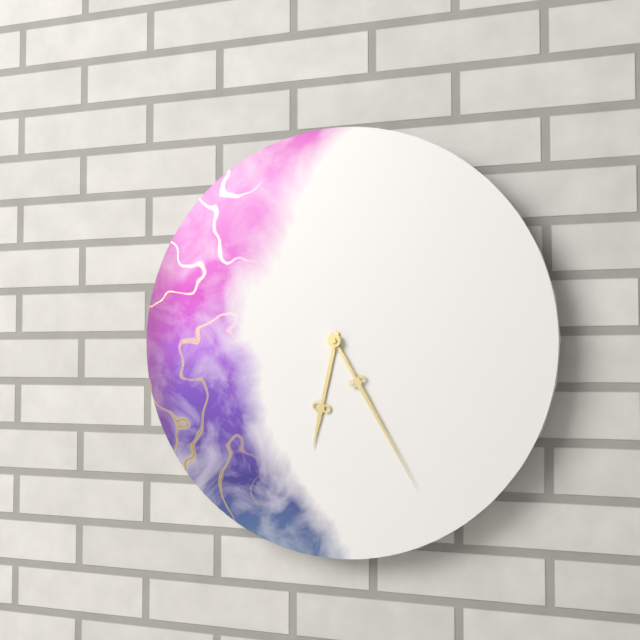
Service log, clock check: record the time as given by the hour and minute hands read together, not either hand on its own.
6:25
